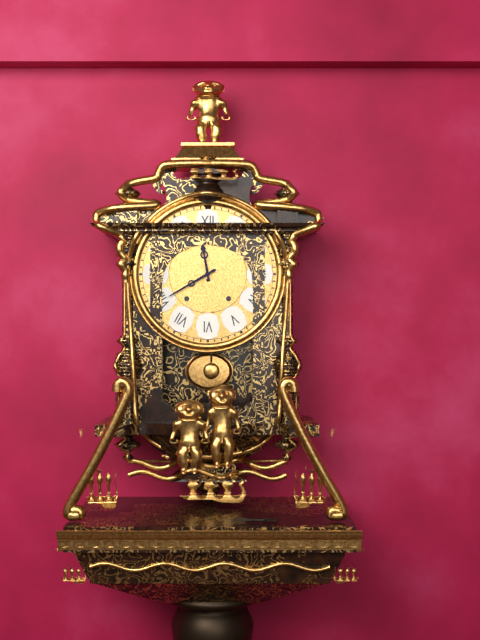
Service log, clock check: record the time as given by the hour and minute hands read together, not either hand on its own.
11:40
